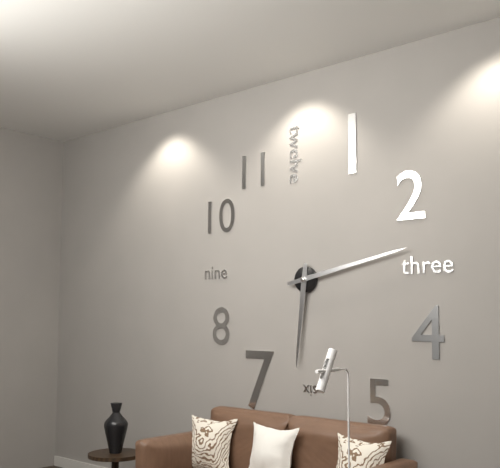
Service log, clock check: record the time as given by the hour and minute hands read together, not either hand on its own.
6:13
